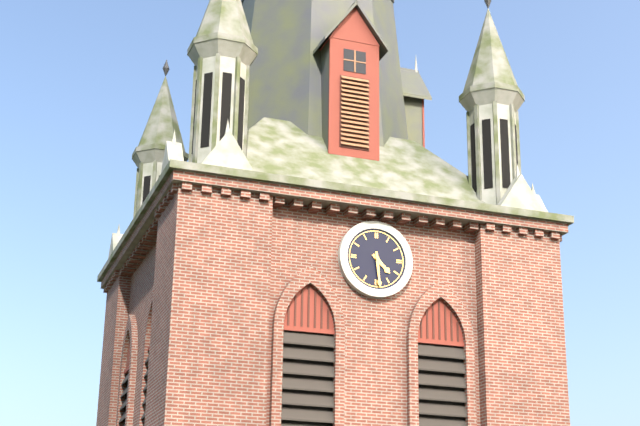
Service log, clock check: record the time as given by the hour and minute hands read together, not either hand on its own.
4:29
